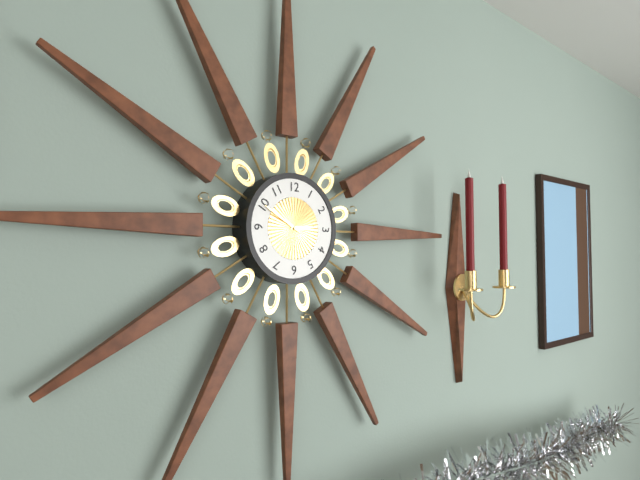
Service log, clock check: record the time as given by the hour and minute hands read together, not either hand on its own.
2:50
